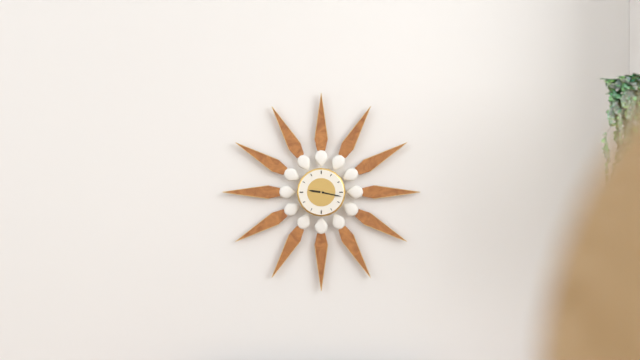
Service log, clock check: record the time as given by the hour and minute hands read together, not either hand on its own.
9:17
